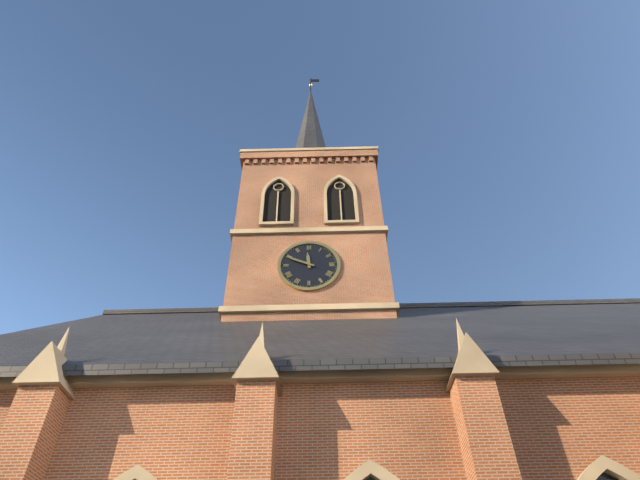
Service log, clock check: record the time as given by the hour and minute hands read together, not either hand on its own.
11:49
